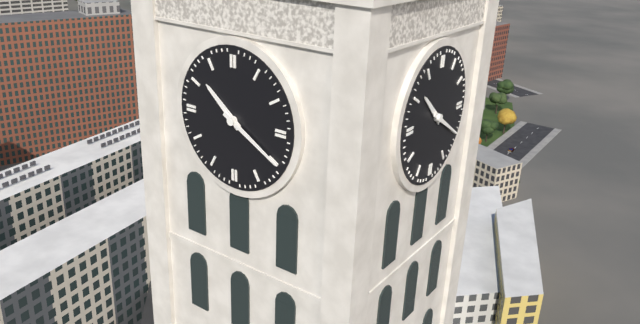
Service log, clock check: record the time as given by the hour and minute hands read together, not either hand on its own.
10:20
